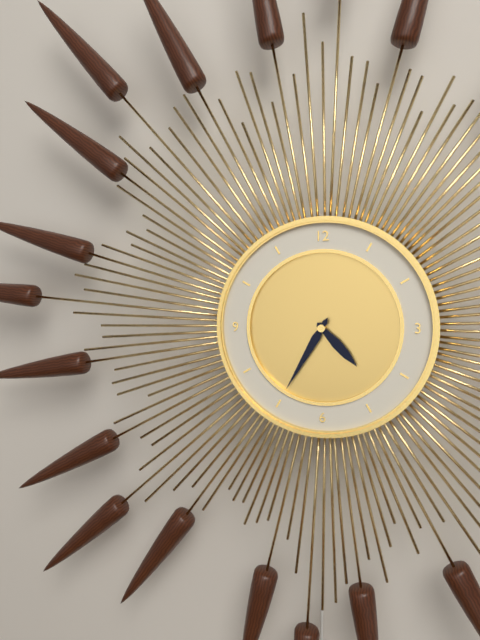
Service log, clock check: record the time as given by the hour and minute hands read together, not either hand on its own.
4:35
